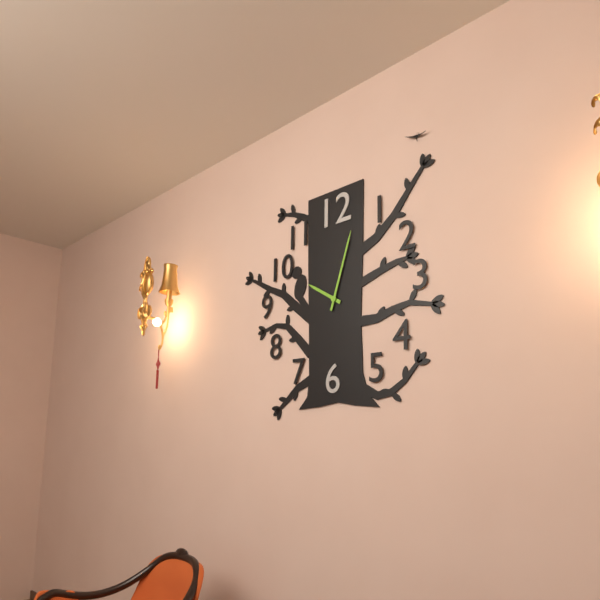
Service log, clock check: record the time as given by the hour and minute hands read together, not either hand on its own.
10:03
